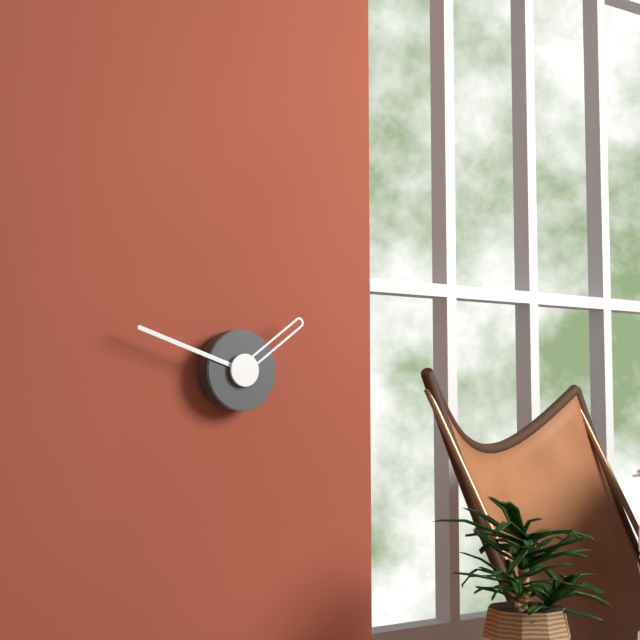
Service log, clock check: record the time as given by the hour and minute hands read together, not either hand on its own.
1:48
